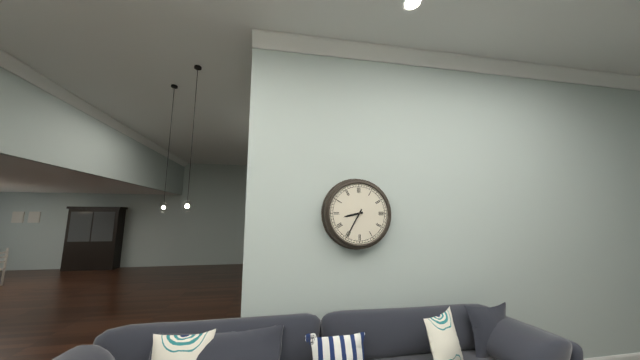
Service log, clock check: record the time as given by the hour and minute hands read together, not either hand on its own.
8:35
